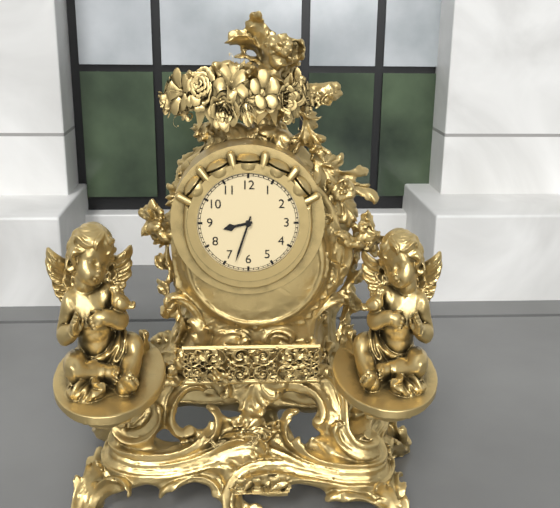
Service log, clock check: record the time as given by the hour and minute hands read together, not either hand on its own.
8:33
